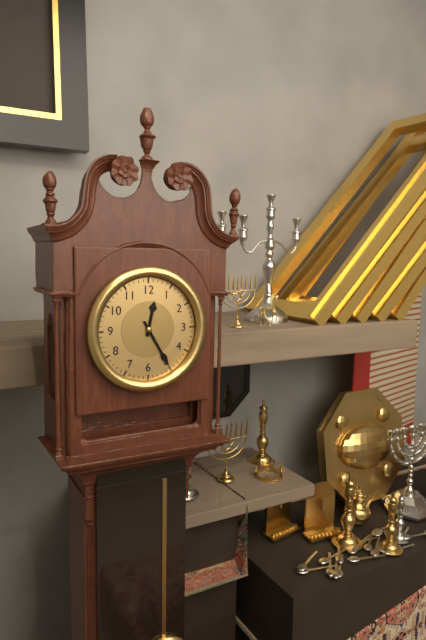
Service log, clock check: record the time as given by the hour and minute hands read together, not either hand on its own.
12:25
